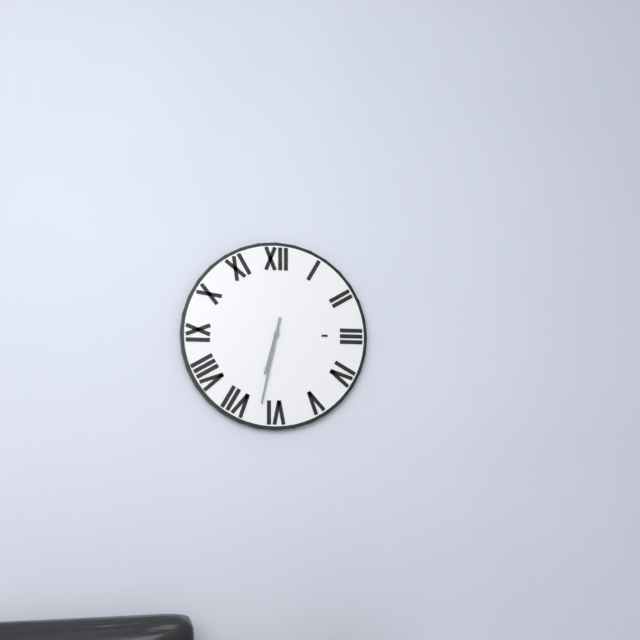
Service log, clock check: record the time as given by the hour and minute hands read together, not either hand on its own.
6:32
